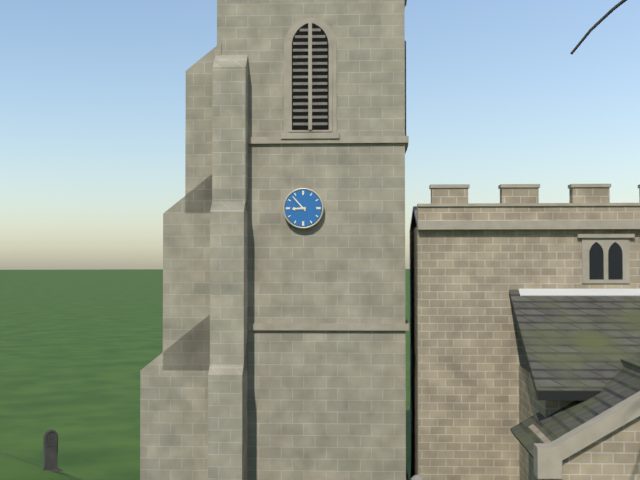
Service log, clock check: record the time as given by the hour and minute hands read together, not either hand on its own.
8:53
